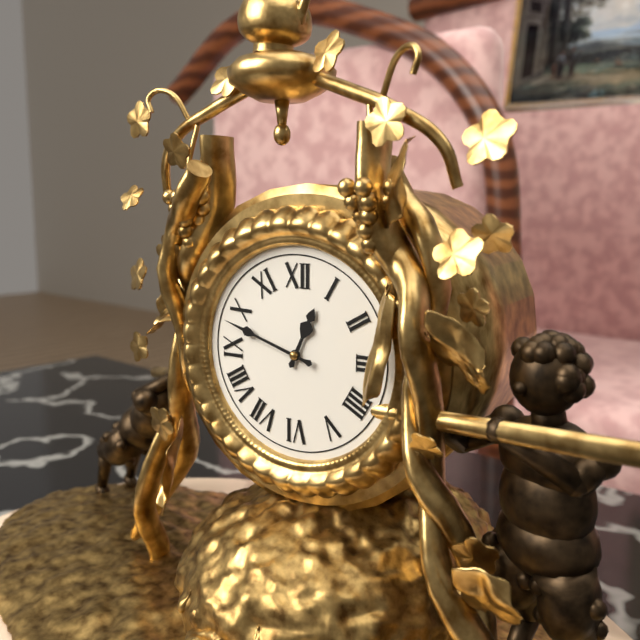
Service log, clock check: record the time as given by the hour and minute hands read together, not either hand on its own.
12:48
